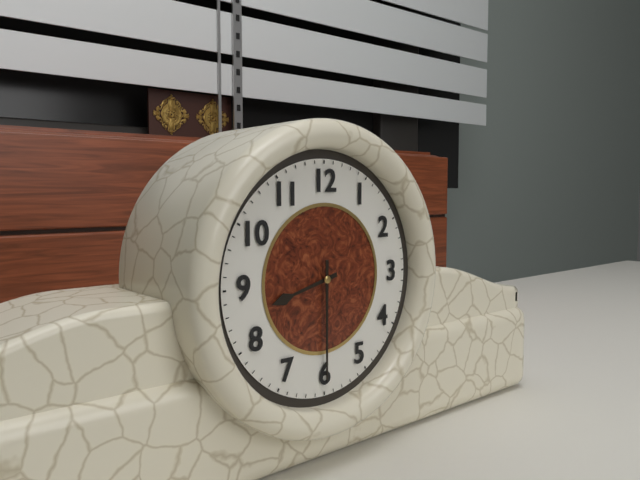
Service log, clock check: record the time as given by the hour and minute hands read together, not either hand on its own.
8:30
